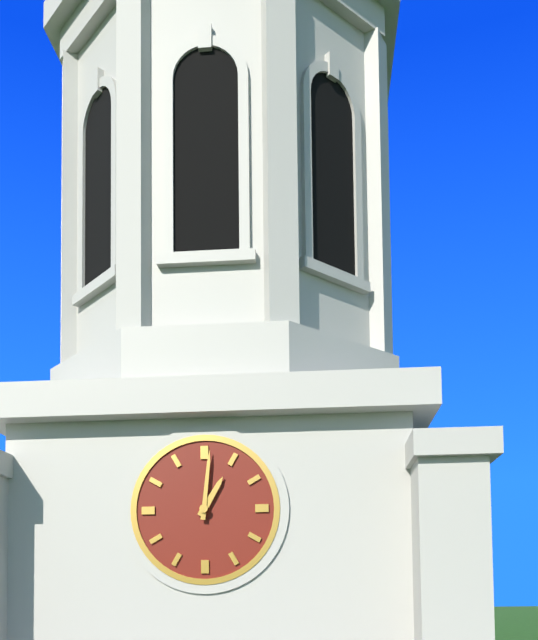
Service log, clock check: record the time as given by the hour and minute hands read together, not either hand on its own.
1:01
